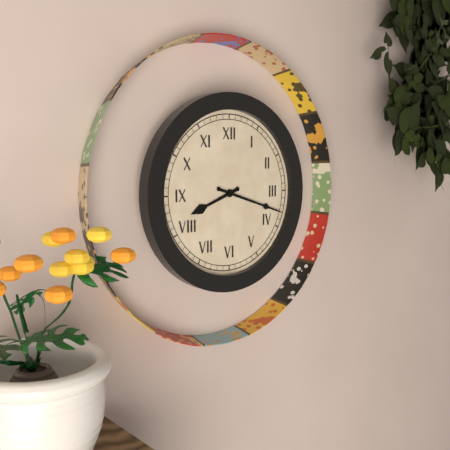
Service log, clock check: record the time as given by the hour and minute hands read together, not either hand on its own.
8:18
